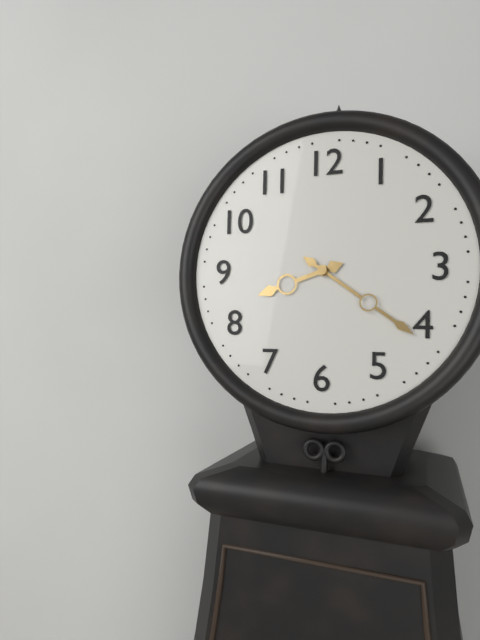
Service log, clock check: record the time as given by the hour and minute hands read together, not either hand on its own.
8:21
